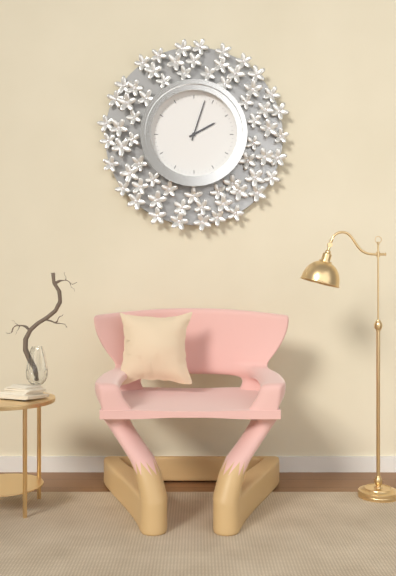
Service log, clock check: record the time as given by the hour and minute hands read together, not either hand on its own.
2:03
